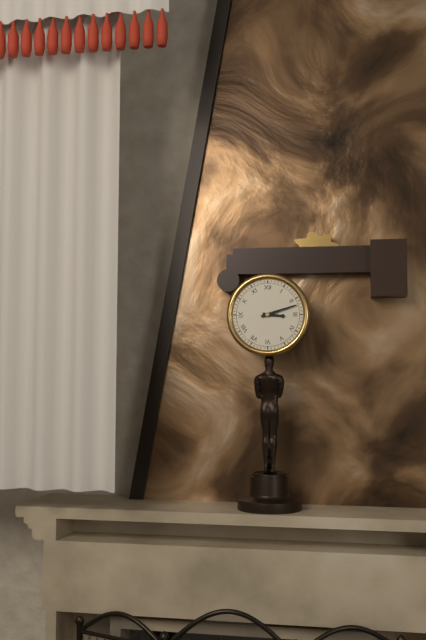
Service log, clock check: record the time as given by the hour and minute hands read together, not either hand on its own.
3:12
